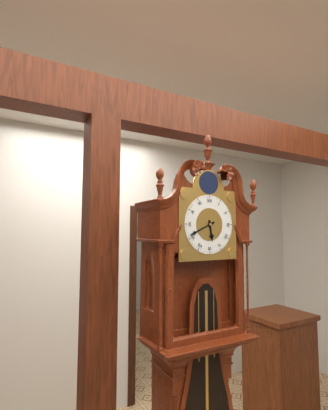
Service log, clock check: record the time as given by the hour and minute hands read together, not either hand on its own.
5:41
